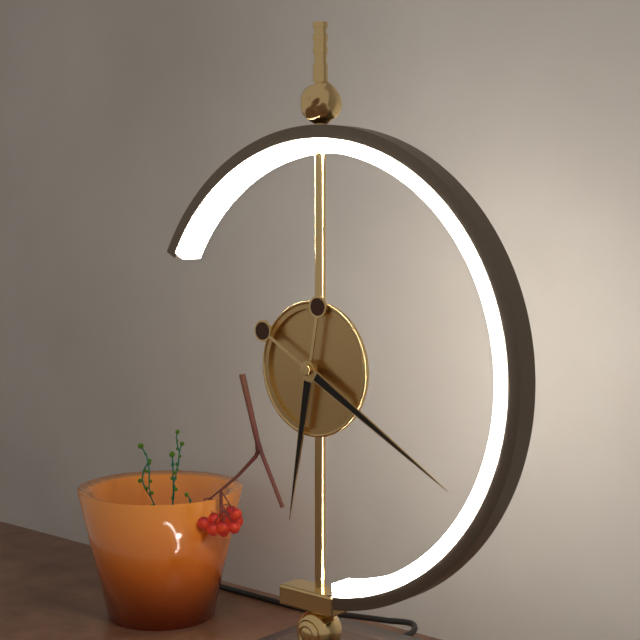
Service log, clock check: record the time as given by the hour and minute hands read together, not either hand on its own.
6:20
